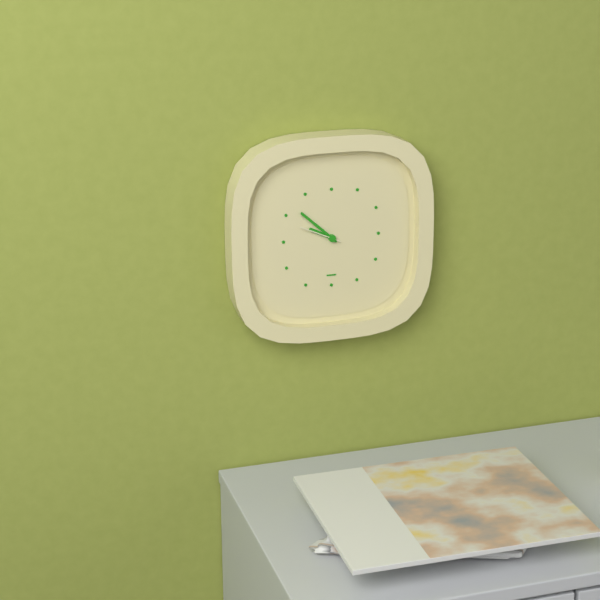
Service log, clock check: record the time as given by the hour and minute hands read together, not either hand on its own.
9:52
